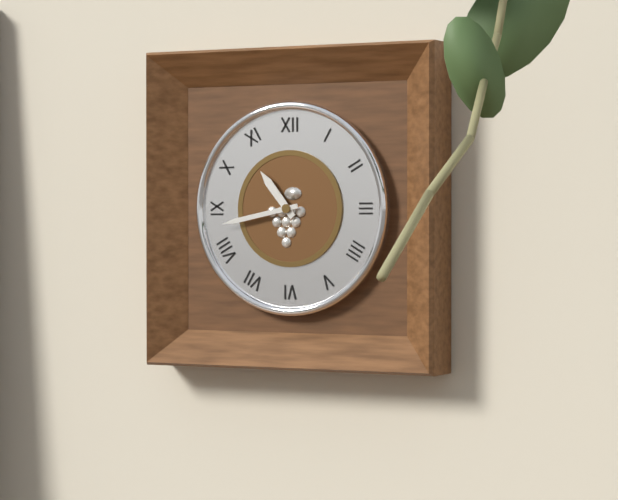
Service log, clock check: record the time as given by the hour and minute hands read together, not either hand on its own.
10:43
